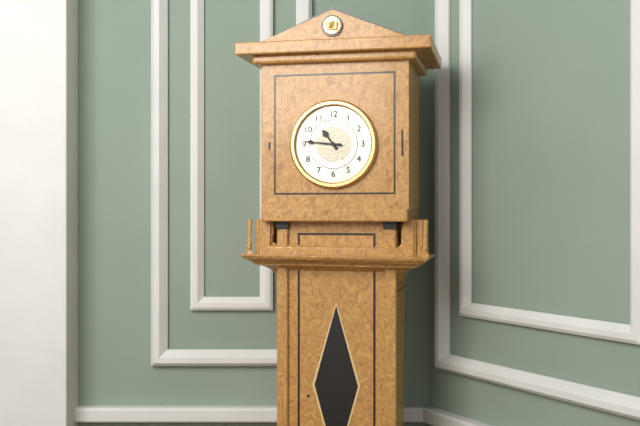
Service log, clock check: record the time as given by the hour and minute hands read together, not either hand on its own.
10:46
